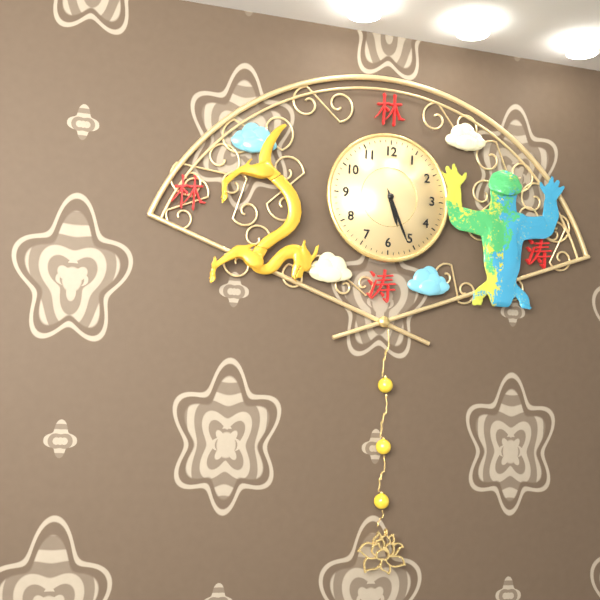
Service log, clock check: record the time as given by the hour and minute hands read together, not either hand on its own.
5:26
